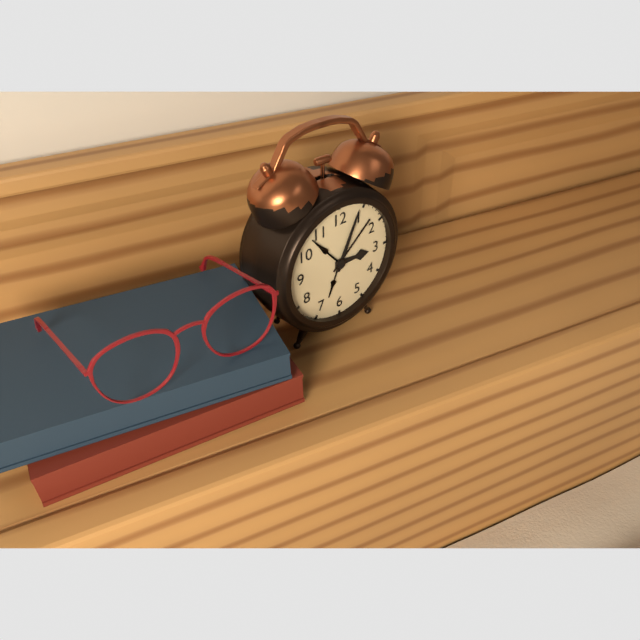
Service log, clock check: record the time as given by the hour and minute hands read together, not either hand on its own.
3:04
